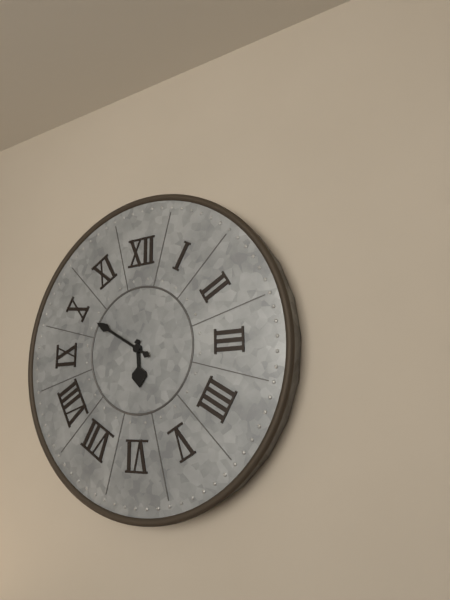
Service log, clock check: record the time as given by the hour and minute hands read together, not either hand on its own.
5:50
